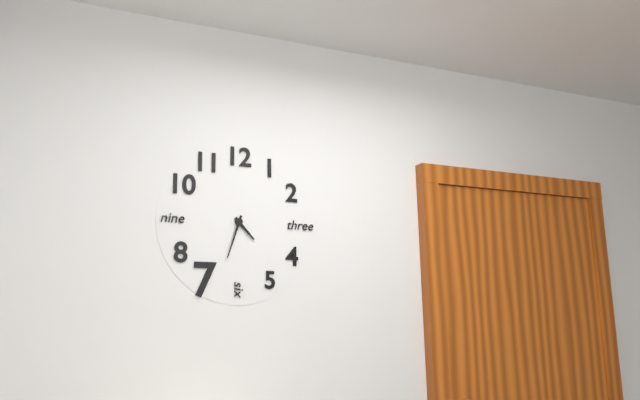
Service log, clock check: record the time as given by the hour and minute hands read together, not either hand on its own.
4:33
